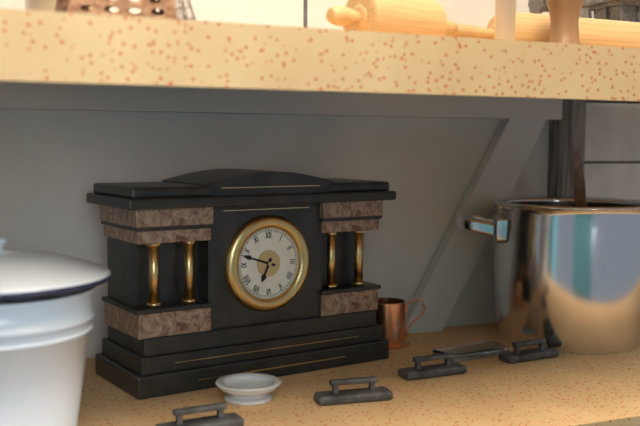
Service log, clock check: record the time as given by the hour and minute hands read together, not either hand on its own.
6:48
